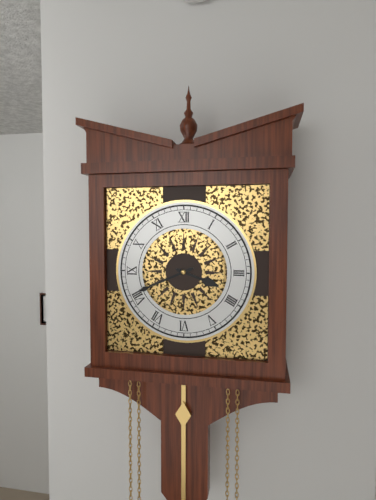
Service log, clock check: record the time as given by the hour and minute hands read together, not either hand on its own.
3:41
